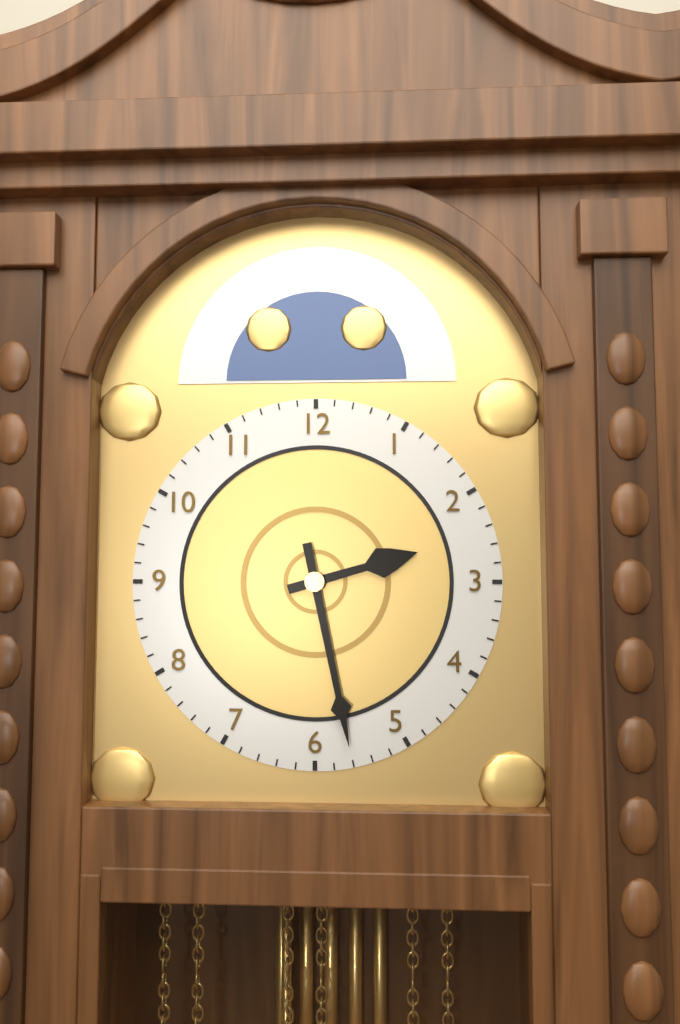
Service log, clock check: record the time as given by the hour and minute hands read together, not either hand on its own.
2:28
